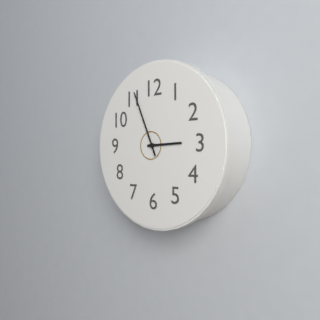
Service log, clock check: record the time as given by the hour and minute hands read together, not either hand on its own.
2:56
